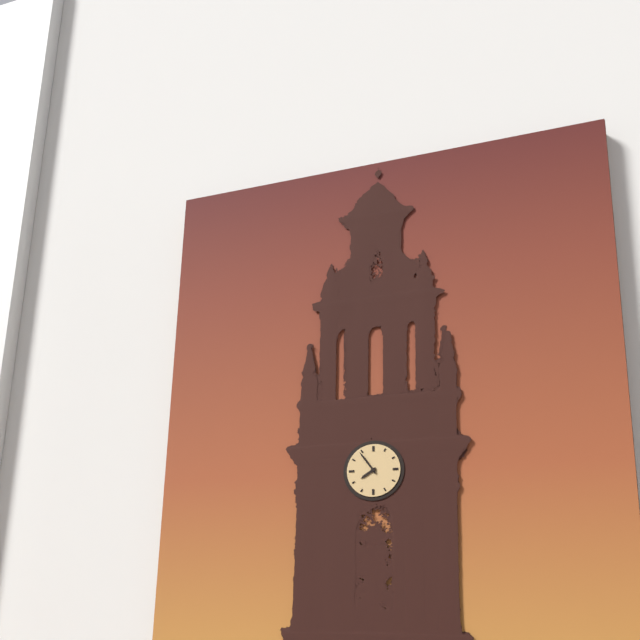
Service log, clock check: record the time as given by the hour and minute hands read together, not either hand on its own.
7:54
